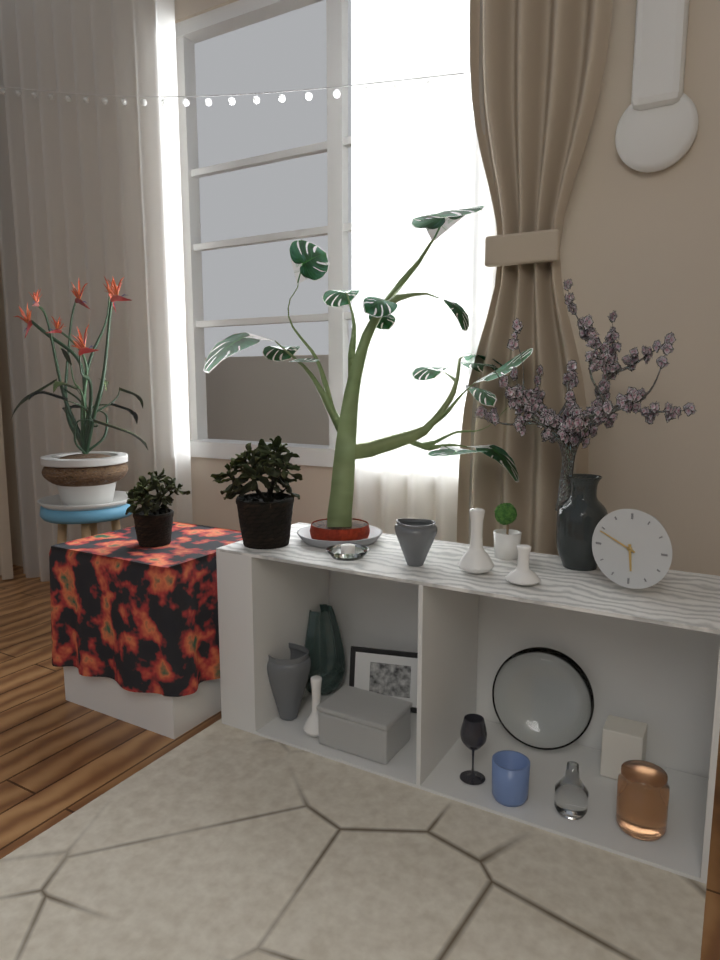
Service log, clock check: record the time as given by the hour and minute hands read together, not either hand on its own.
5:49
